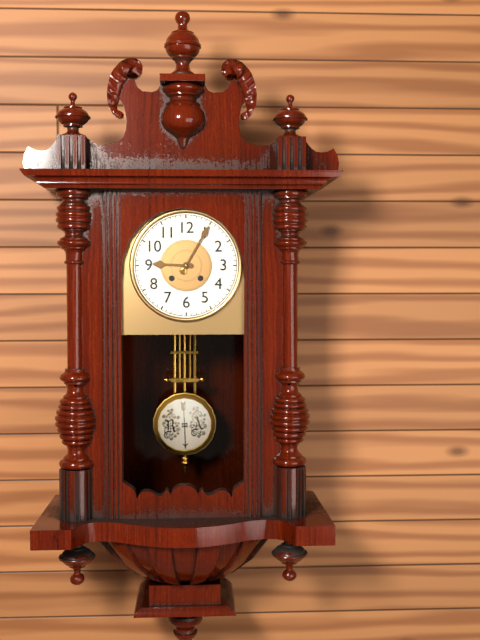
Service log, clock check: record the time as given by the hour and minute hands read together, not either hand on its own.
9:05
